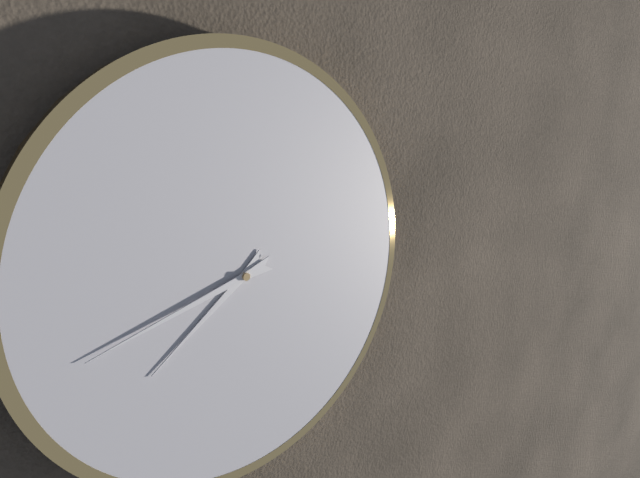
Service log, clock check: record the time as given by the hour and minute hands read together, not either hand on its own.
7:42
